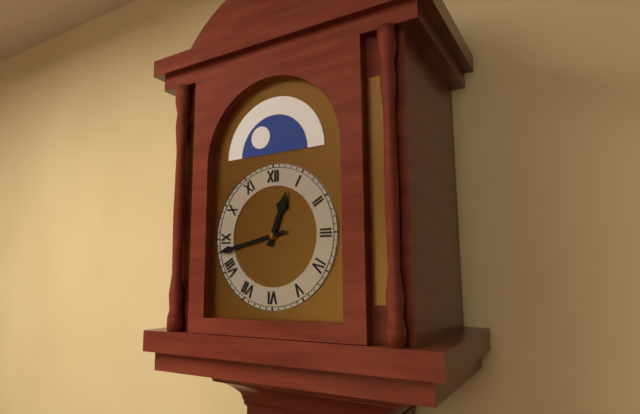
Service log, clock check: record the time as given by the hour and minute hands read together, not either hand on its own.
12:43
